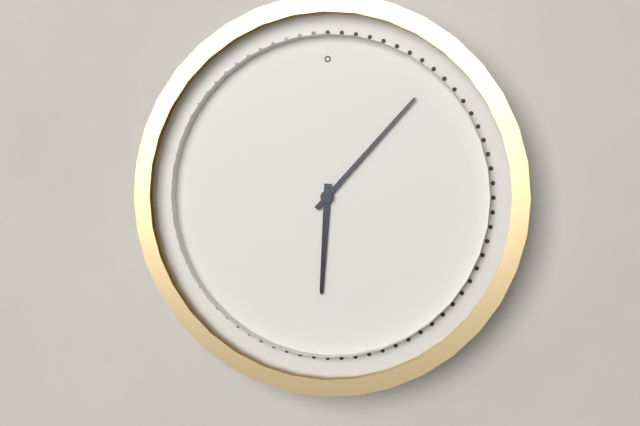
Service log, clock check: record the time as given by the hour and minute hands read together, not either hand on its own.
6:07
